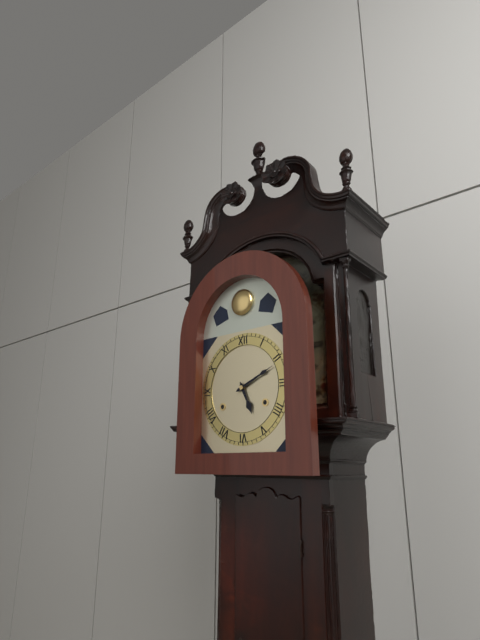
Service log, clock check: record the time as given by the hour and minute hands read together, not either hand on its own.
5:11
